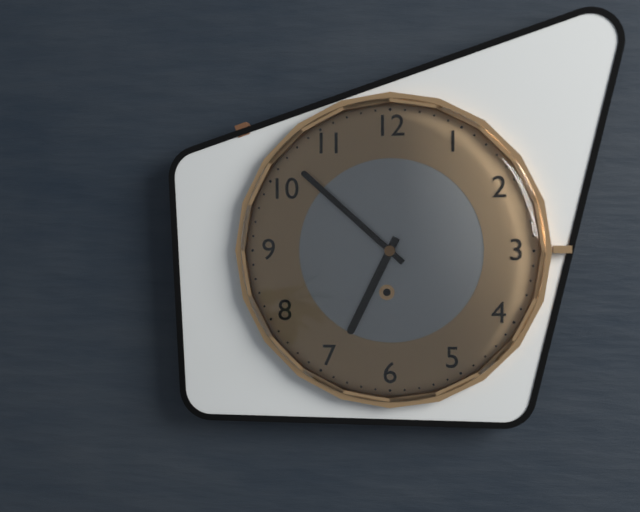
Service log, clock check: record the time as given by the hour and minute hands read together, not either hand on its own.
6:52
